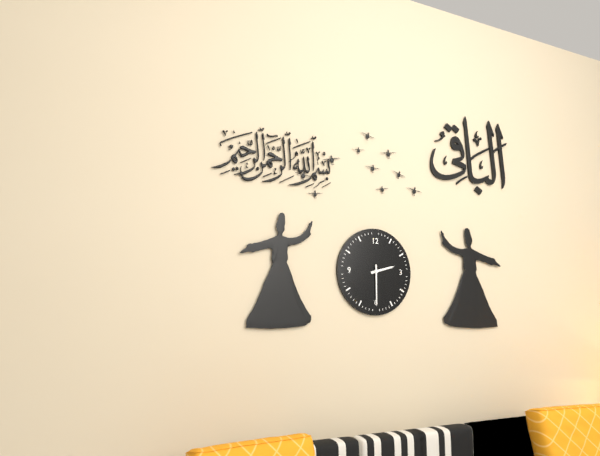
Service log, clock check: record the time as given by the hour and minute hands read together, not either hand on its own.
2:30
